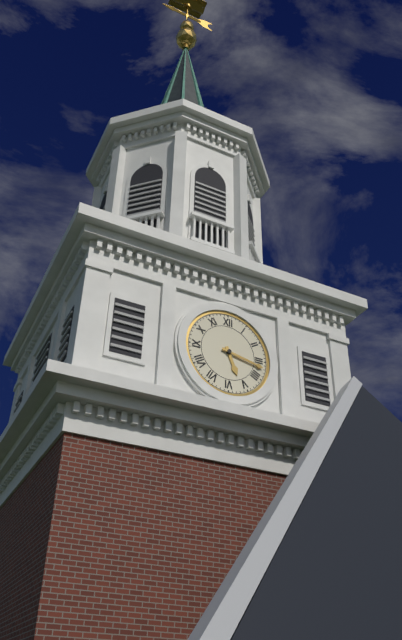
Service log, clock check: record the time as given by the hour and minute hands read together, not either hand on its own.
5:17
